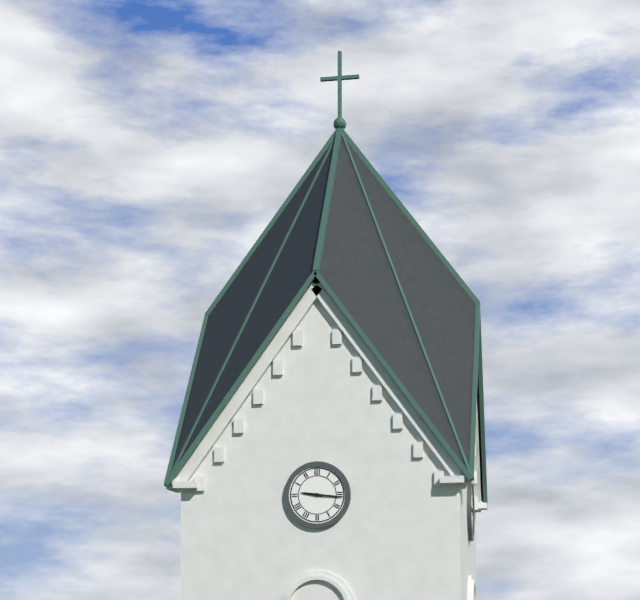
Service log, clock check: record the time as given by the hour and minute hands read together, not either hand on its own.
9:16
